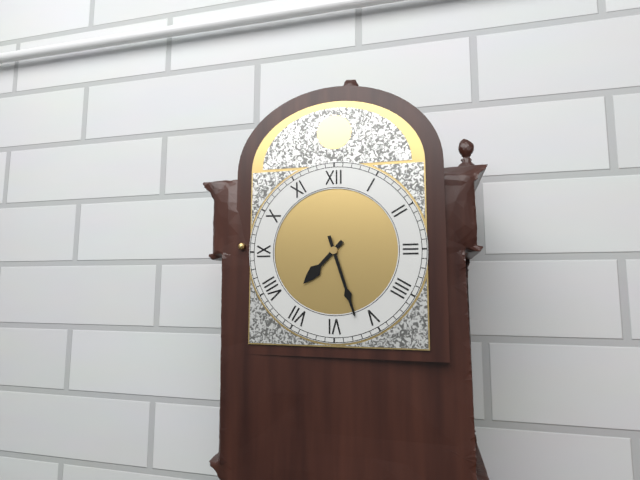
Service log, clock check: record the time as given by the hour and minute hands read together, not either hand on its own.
7:27
